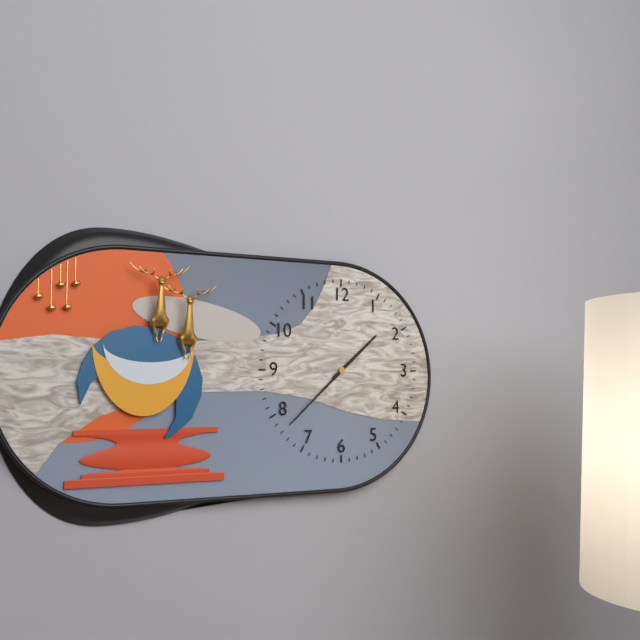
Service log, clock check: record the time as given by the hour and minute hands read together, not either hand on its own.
1:38
